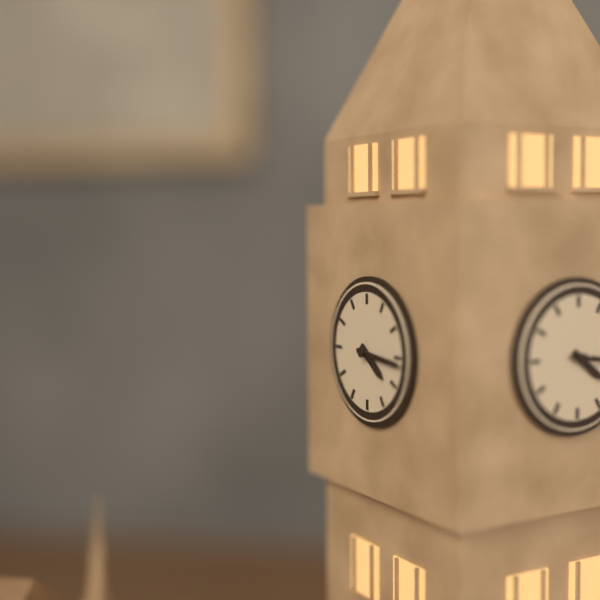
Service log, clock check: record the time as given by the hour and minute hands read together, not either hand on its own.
4:16
